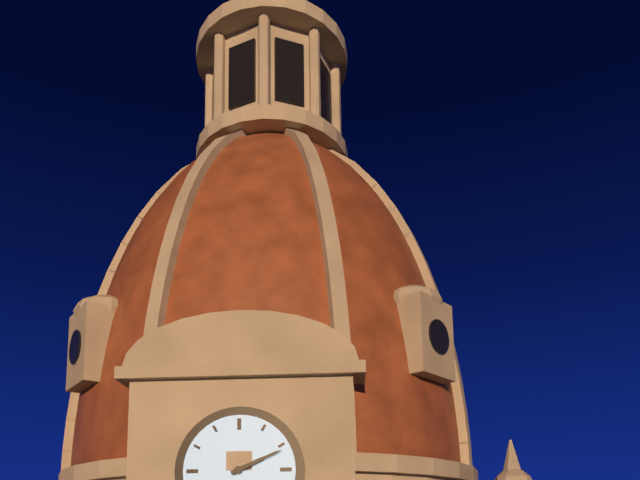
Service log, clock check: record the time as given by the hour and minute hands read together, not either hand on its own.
2:11
